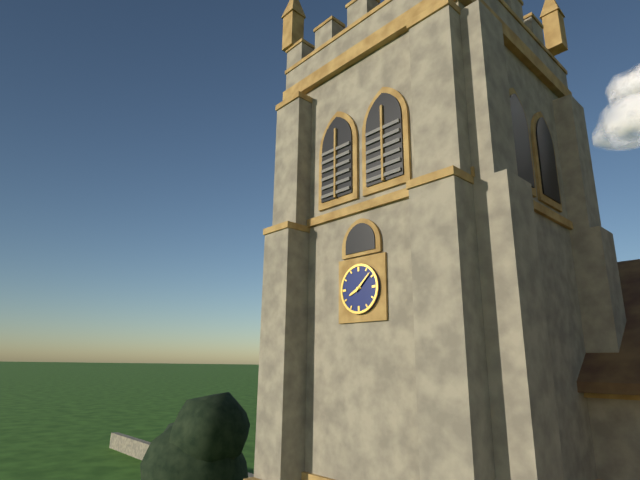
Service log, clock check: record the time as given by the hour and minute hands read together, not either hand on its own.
8:08
